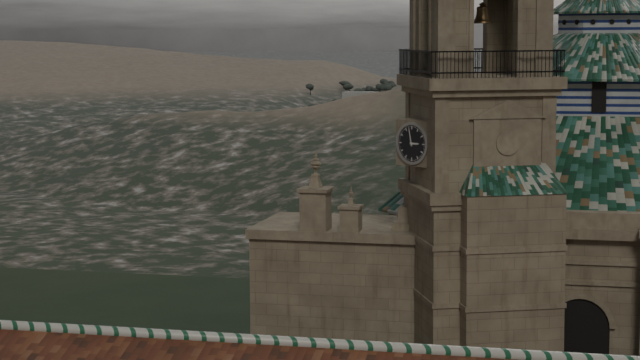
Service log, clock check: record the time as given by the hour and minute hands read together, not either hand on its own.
2:58
